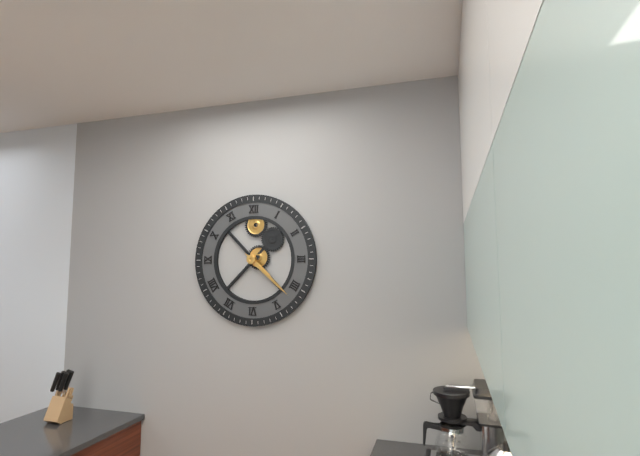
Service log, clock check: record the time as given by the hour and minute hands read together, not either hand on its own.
4:22
